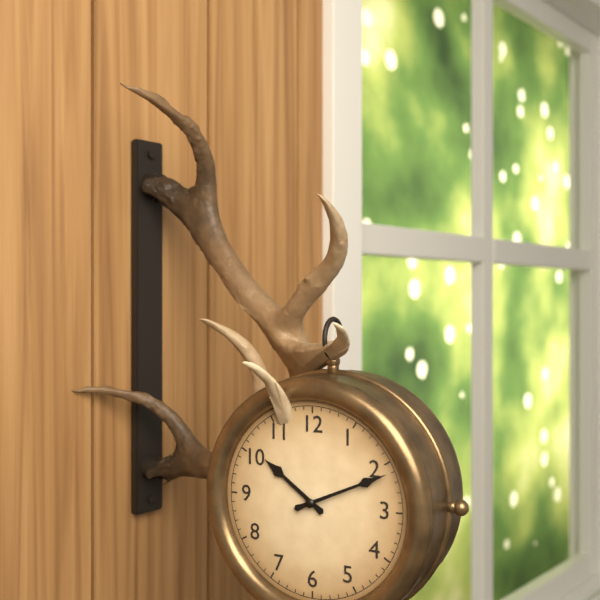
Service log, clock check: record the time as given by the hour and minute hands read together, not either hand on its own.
10:11
